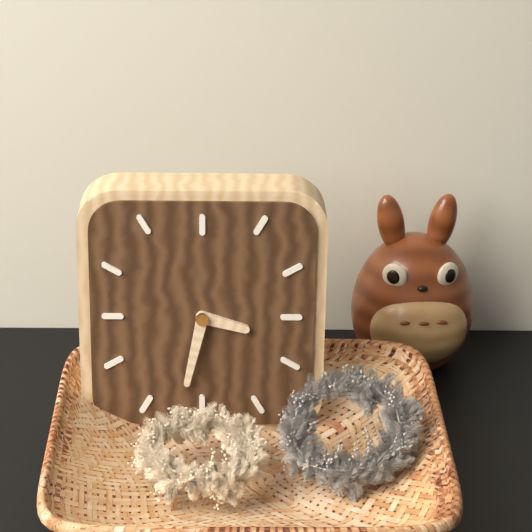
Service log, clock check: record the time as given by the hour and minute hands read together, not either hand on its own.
3:32
